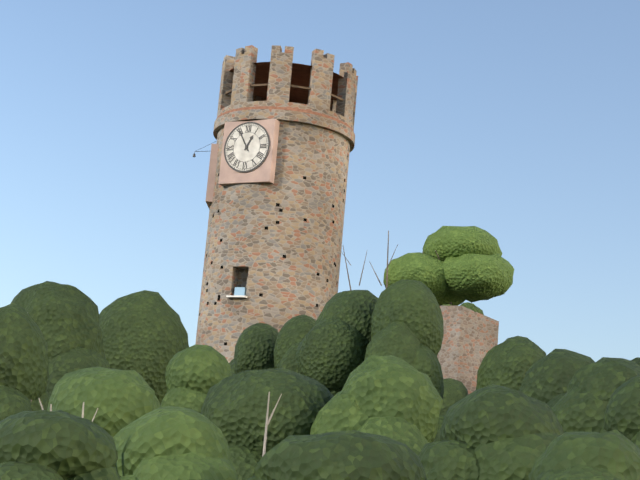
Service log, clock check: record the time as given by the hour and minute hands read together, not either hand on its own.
12:55
